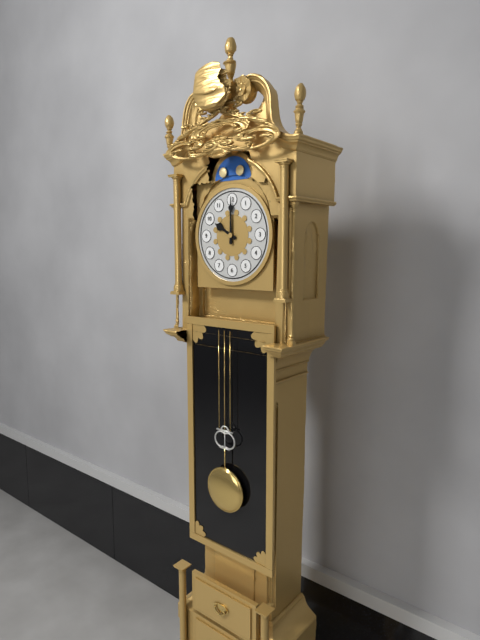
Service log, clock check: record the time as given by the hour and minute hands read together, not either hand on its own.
10:00
